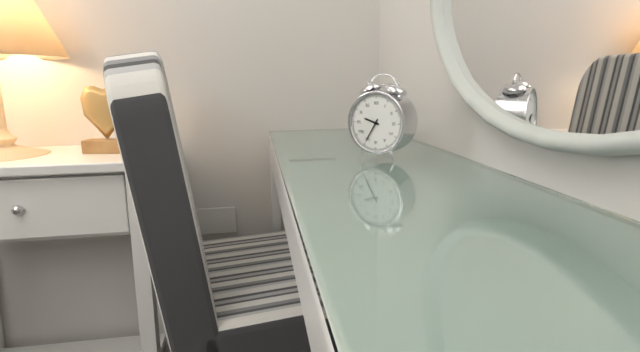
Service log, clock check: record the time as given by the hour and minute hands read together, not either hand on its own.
9:35
